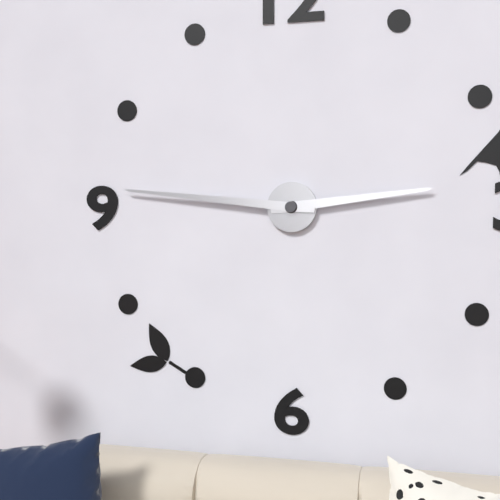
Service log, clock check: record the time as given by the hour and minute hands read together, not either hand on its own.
2:46
